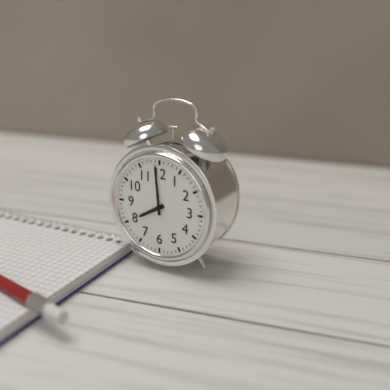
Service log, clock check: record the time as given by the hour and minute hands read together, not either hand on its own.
7:59
